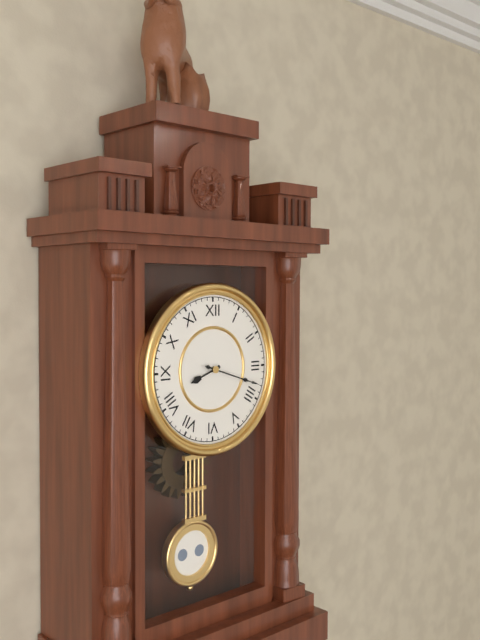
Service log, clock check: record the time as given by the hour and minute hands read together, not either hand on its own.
8:18
